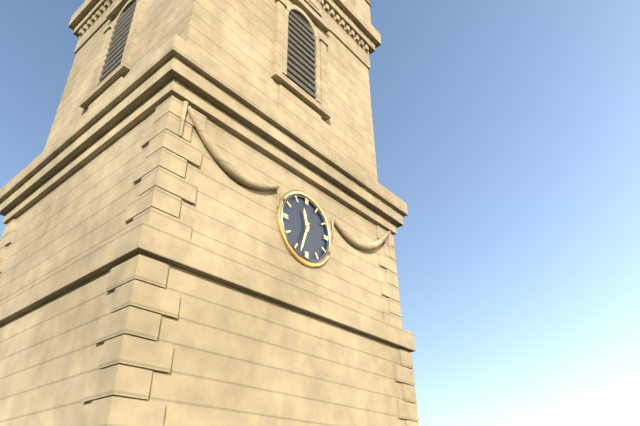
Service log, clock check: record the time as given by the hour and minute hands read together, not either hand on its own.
11:33
